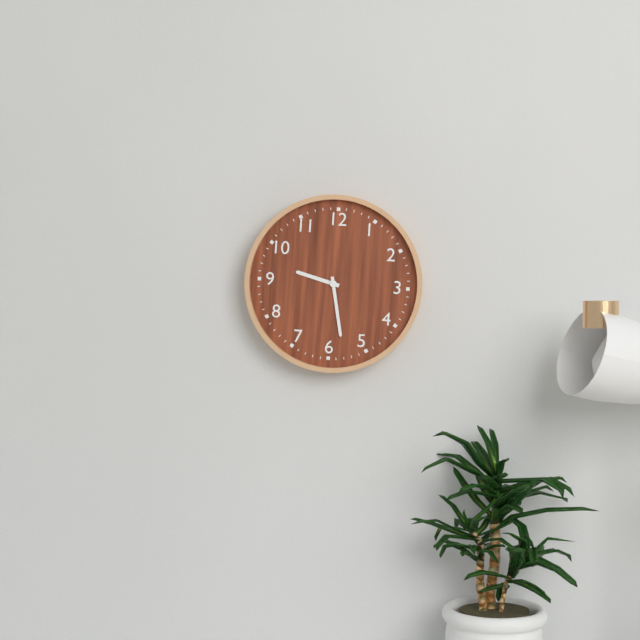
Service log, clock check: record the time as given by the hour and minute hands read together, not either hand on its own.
9:28
